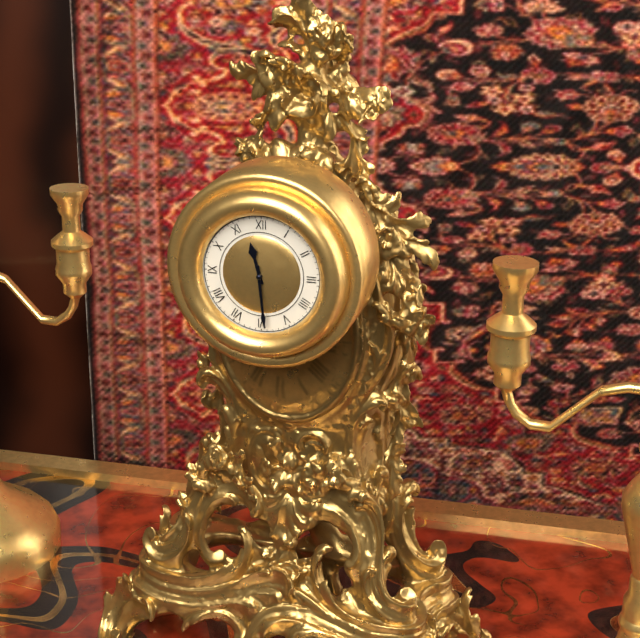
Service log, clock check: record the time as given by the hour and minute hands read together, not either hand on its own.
11:29
